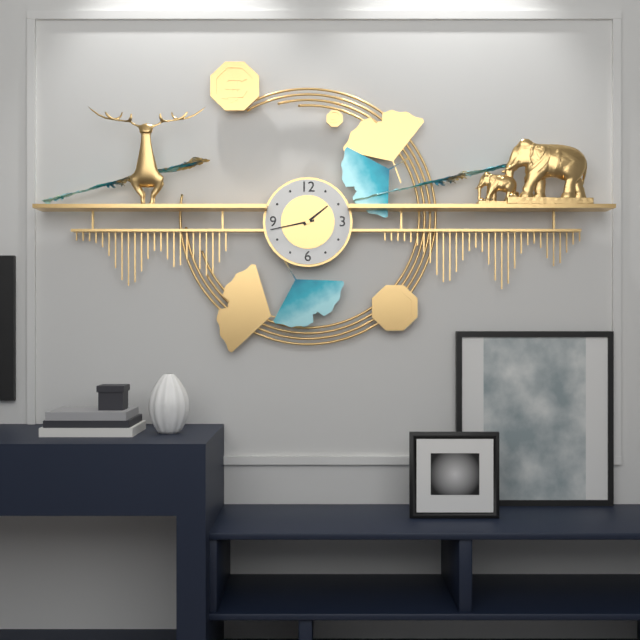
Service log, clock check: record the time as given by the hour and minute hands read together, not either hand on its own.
1:43
